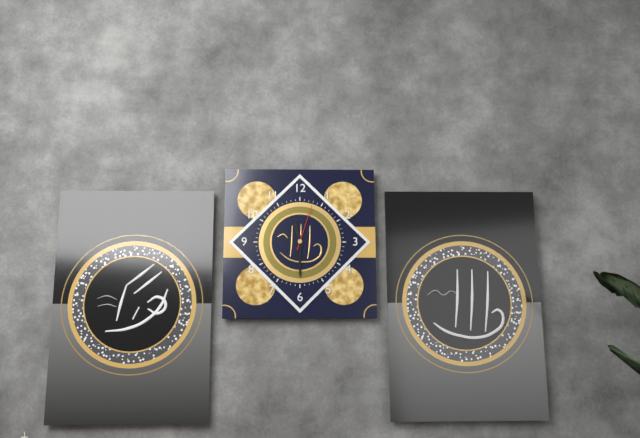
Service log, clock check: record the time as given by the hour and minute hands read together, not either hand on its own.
11:30
